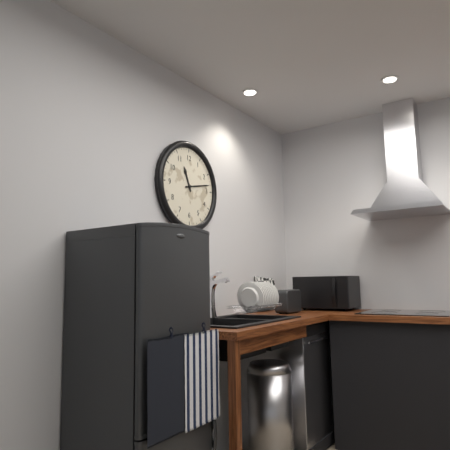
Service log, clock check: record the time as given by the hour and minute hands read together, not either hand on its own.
11:13
